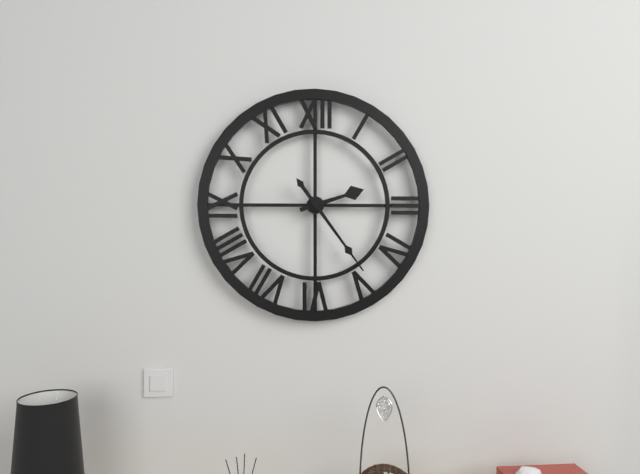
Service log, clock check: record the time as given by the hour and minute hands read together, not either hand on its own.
2:24
